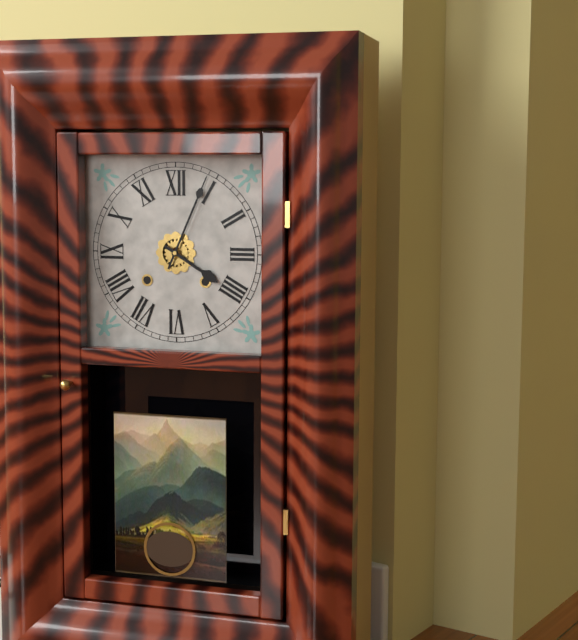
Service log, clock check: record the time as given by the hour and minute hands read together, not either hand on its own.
4:04
